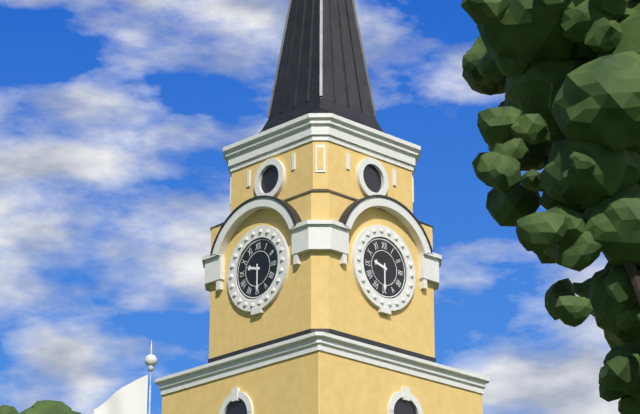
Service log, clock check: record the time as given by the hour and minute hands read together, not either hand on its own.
9:30
